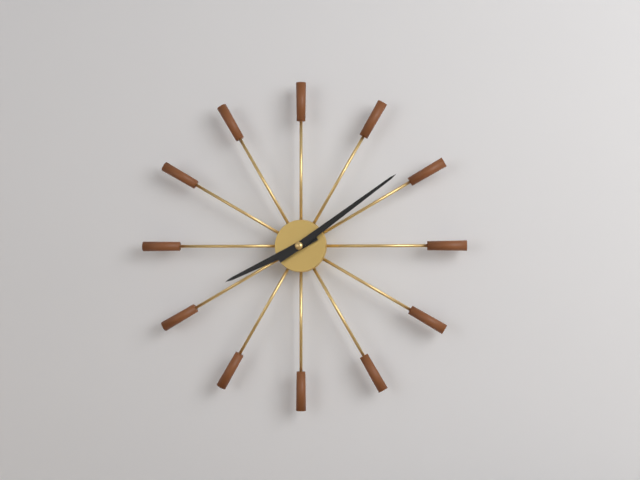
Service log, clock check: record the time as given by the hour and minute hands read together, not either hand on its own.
8:09
